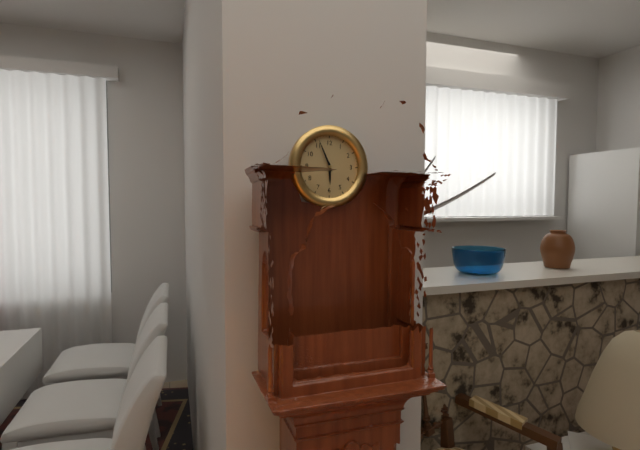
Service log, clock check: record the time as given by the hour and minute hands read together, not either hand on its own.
5:56
